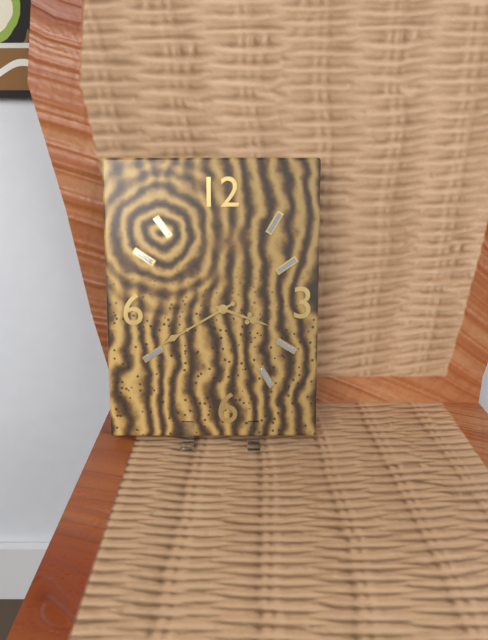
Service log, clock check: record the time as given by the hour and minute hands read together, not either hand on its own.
3:40
